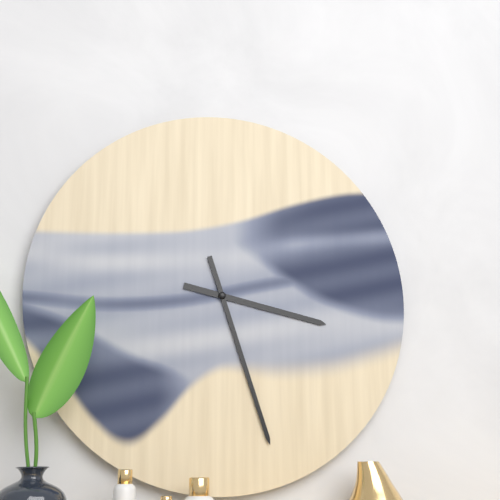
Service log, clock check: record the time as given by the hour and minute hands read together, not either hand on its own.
3:27
